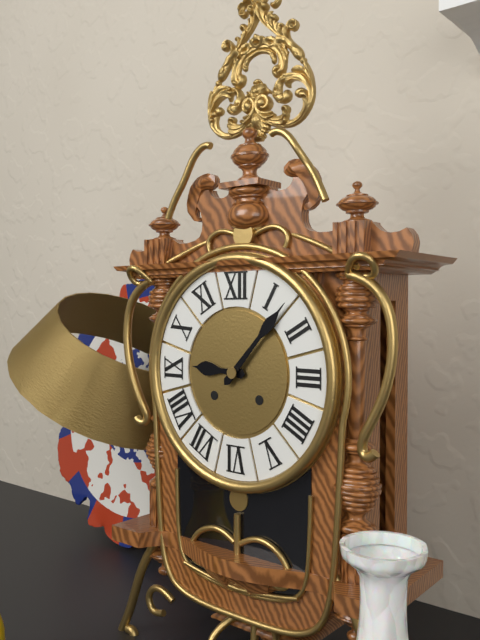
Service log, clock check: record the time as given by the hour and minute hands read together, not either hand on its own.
9:07
